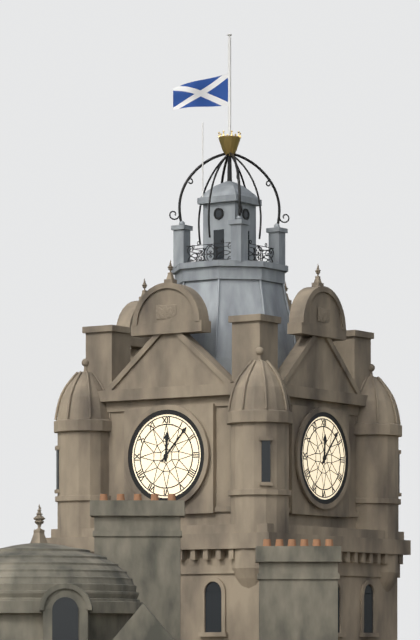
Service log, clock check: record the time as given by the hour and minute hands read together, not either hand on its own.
12:07
